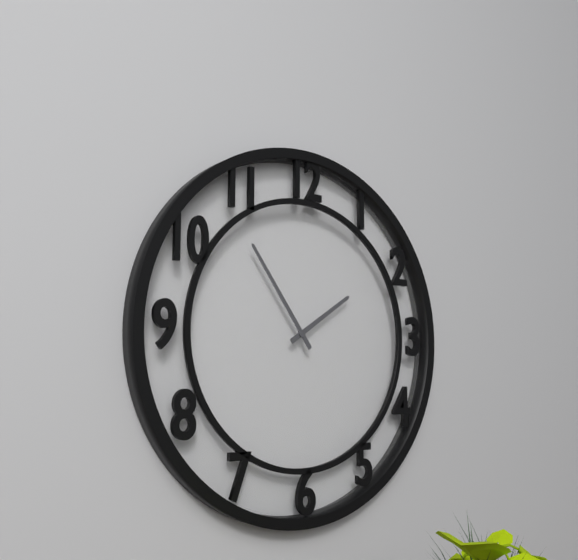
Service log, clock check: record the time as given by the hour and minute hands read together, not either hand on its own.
1:54
